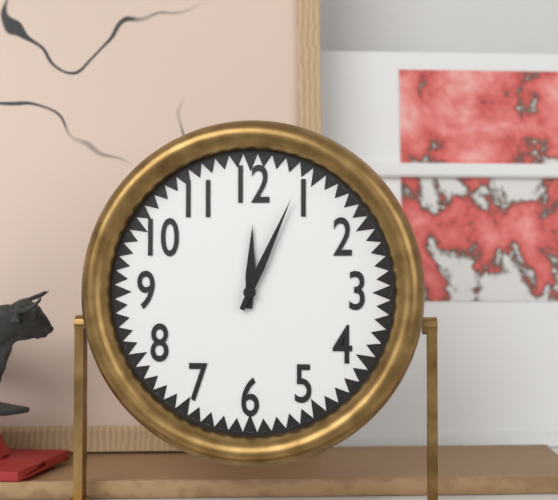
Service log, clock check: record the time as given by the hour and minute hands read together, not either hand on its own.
12:04
